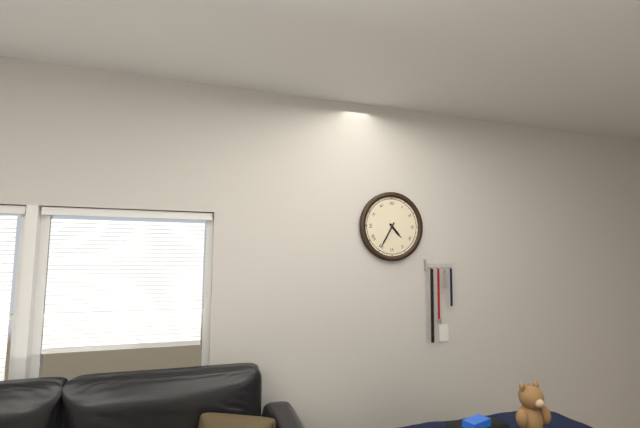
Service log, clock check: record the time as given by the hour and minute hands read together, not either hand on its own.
4:35
